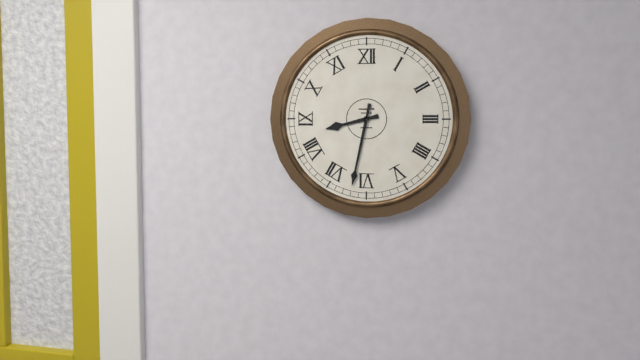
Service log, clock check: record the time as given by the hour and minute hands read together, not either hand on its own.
8:32
